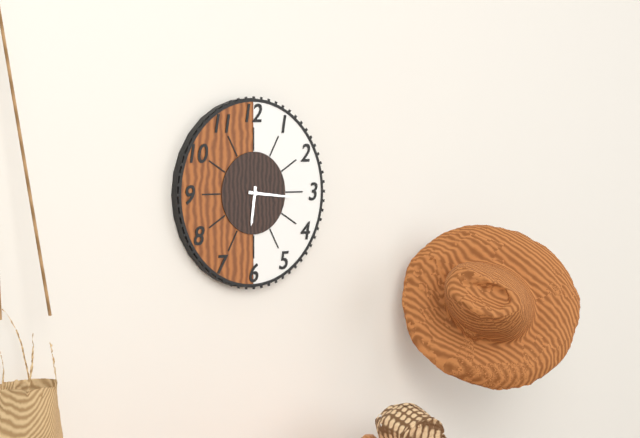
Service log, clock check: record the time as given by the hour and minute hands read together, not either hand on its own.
6:16
